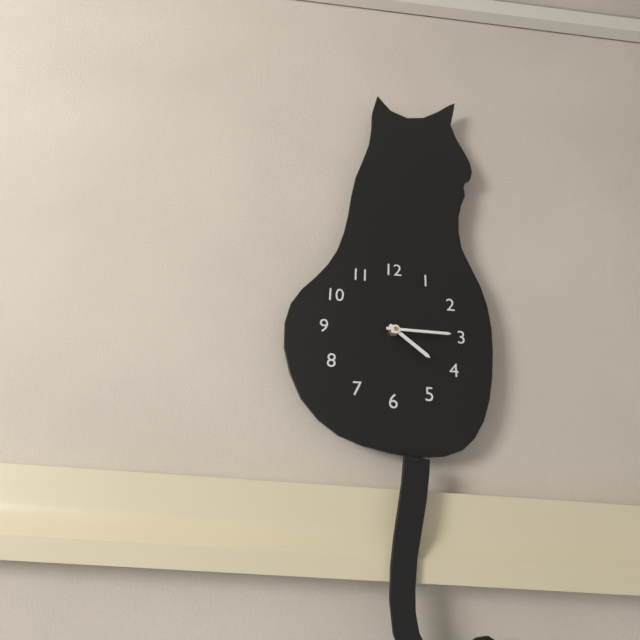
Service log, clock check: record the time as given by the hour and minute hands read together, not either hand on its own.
4:15
